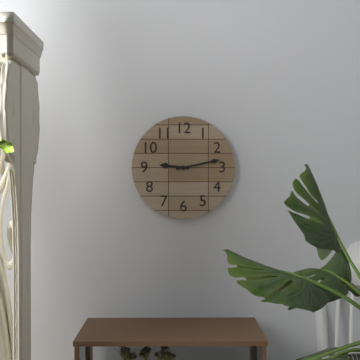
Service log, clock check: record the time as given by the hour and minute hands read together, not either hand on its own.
9:13
